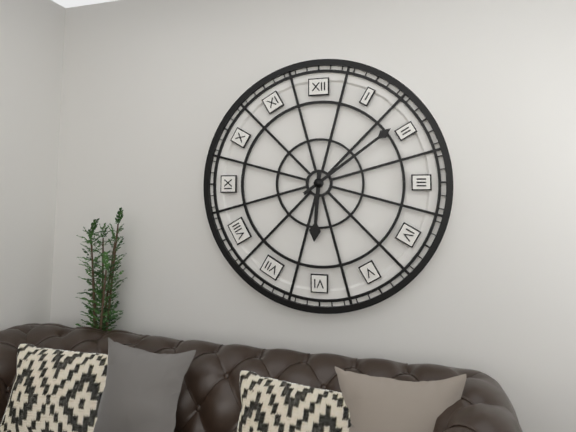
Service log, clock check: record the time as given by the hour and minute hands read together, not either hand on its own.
6:09
